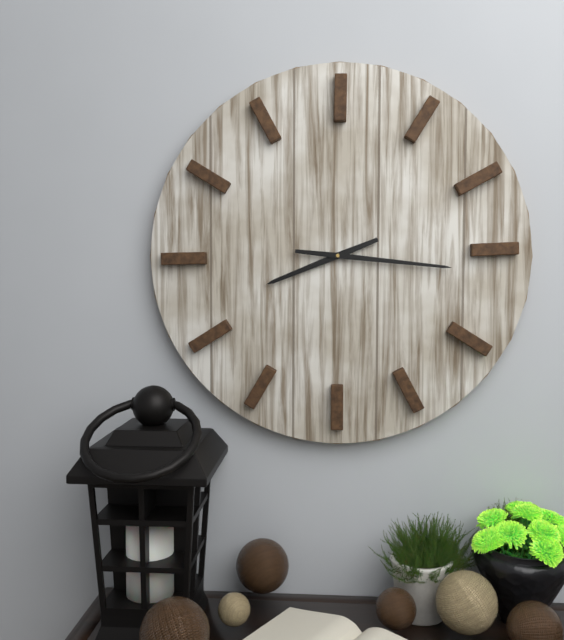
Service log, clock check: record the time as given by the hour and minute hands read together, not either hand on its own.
8:16
